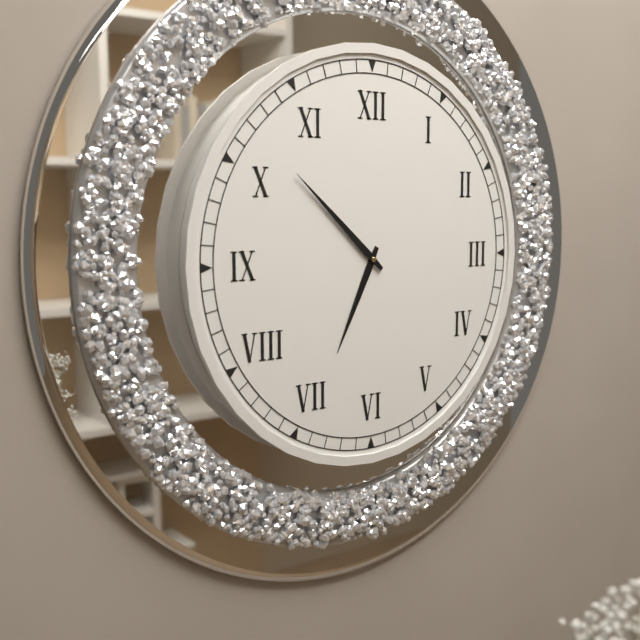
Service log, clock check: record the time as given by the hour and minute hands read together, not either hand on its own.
6:52
